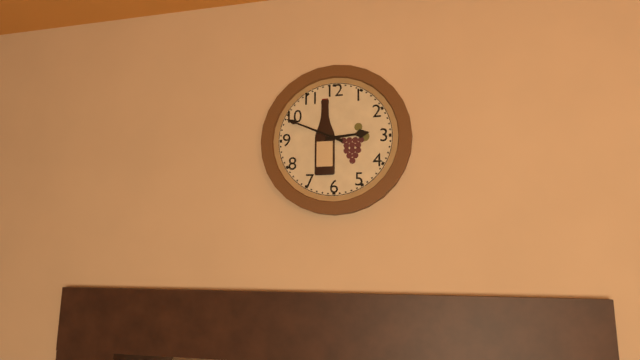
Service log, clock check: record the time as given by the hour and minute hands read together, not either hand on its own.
2:49
